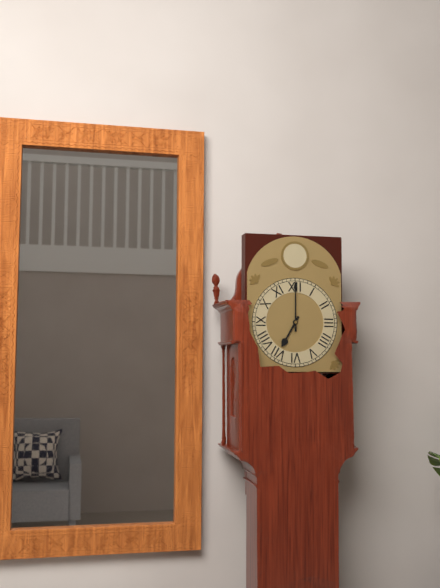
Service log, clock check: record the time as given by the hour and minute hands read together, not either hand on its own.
7:00
